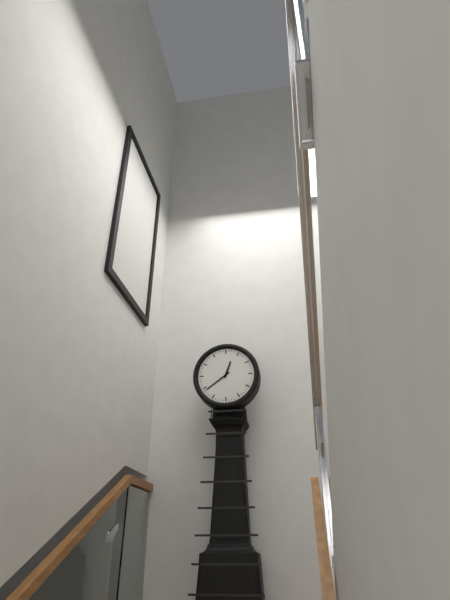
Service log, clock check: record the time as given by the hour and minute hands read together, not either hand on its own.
12:39
